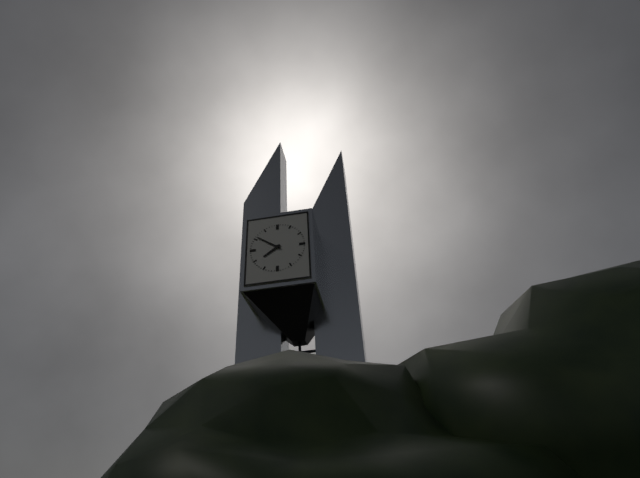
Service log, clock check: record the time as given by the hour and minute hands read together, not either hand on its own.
7:51
